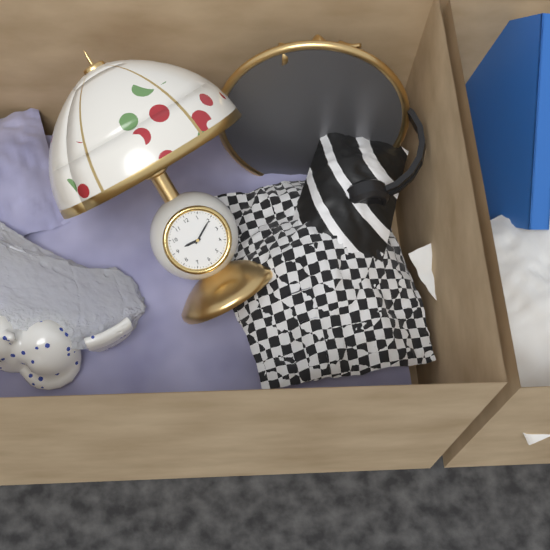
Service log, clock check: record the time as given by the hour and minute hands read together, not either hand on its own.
9:10
